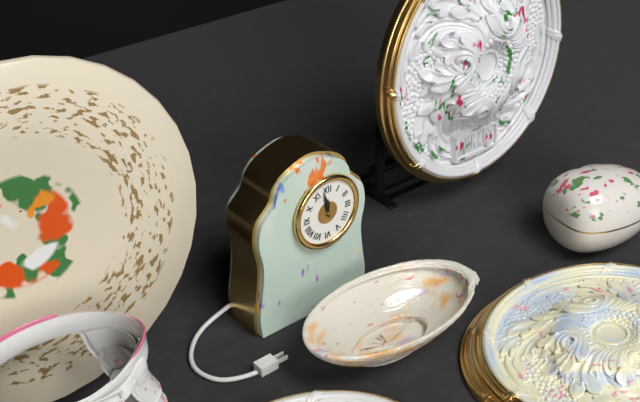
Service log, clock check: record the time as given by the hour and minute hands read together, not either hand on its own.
11:58
